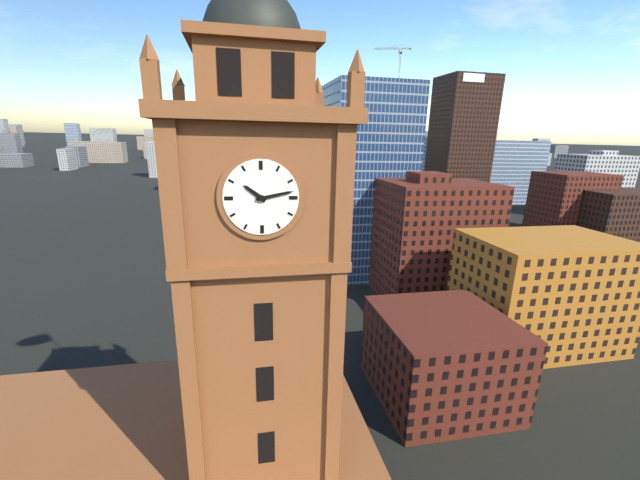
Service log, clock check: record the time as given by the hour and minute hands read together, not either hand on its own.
10:13
